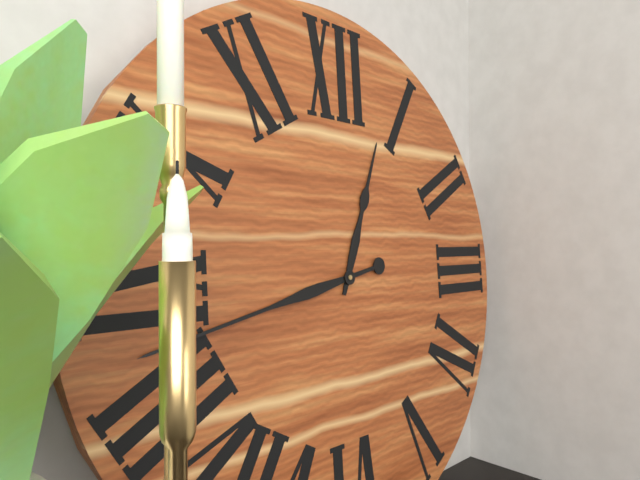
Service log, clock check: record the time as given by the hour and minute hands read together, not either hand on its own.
12:43
